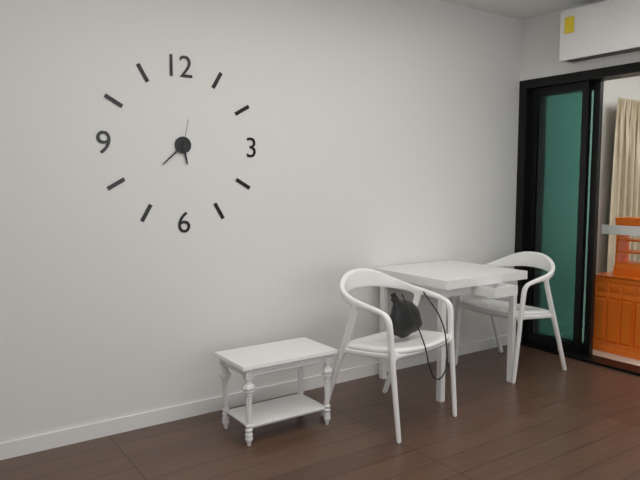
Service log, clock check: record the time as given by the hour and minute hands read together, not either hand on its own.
5:38
